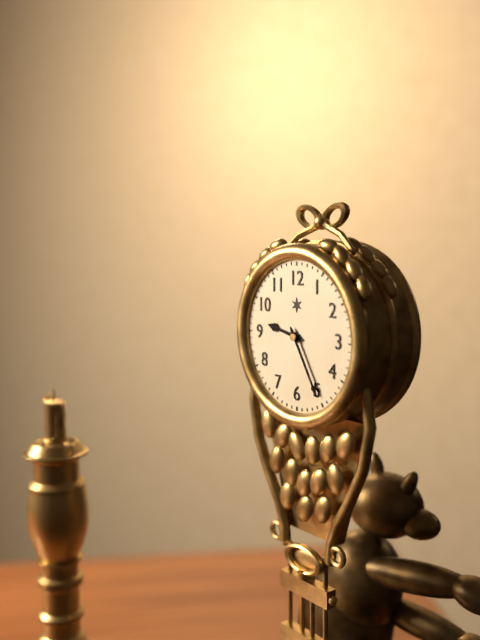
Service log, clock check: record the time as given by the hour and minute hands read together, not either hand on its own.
9:25
